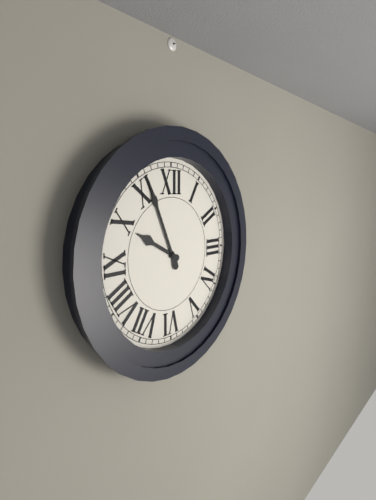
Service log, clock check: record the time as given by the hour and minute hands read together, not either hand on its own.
9:56
